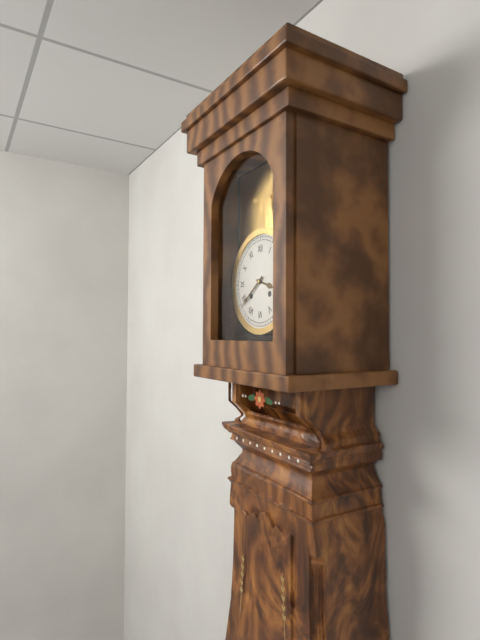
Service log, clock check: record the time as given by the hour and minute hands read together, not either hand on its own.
3:39
